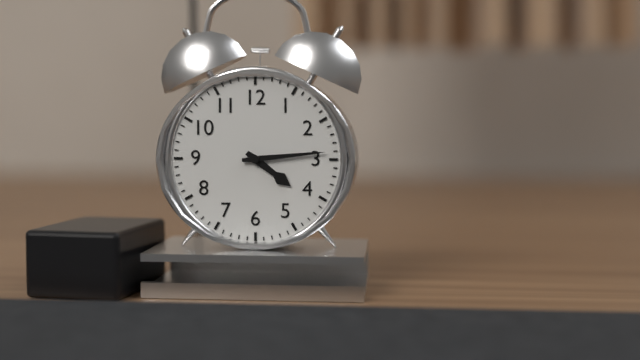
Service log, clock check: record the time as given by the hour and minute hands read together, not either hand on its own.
4:14
